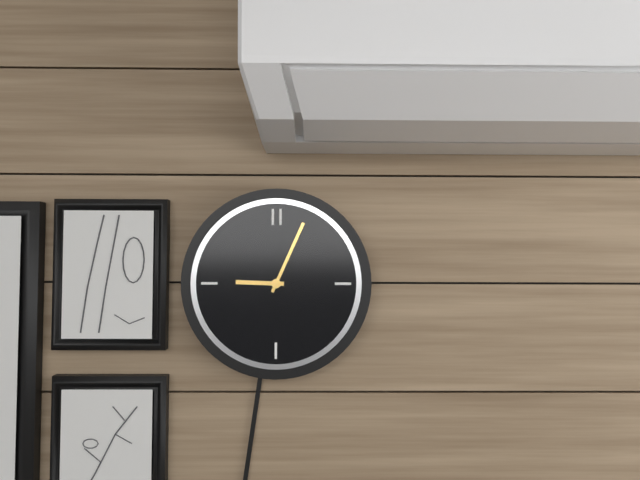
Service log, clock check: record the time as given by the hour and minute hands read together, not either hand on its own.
9:04
